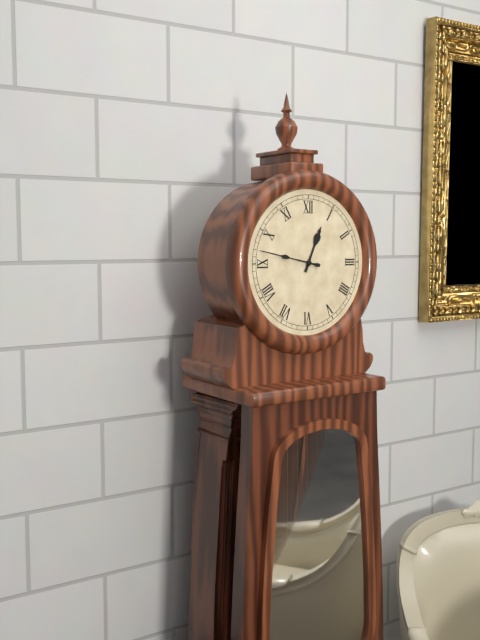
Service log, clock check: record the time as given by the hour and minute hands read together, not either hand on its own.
12:47
